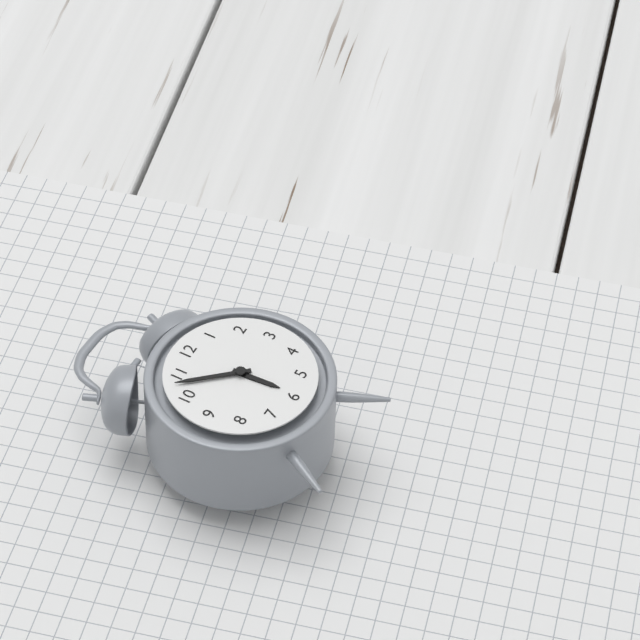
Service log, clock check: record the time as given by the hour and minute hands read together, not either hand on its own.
5:53
